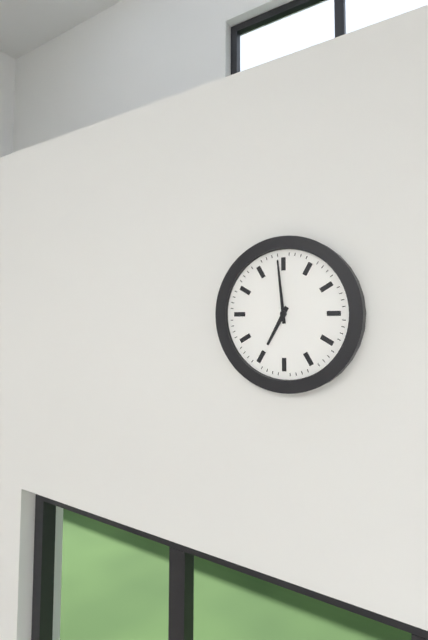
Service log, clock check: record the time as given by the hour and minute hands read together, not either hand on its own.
6:59
